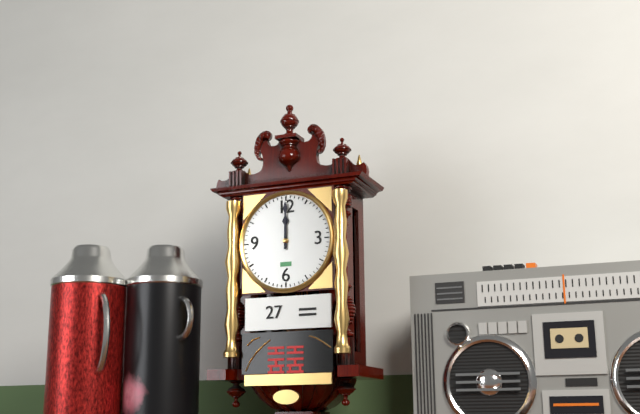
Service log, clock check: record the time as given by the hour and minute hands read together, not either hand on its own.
12:00
